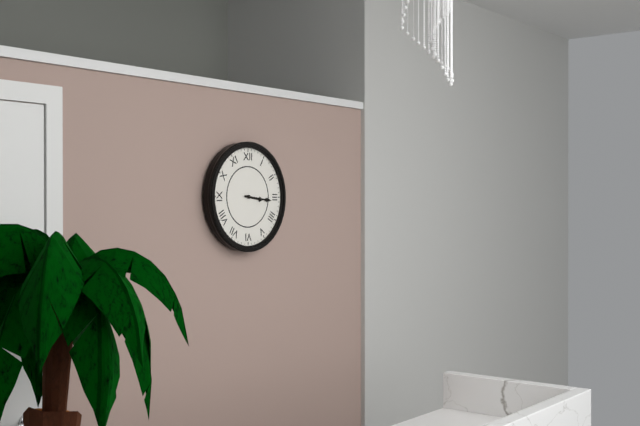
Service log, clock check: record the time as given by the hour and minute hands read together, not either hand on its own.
3:16
